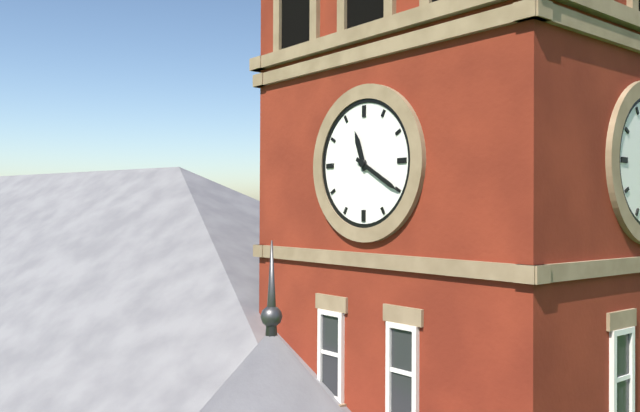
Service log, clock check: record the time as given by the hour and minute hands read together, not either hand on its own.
11:20
